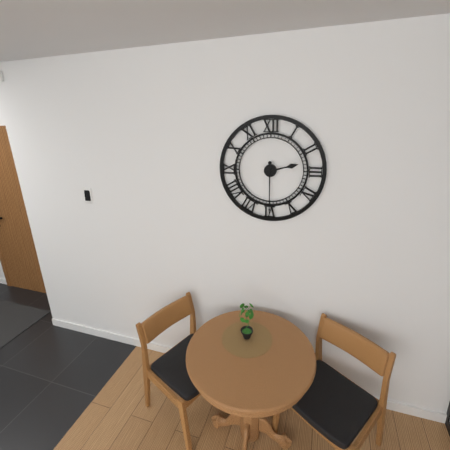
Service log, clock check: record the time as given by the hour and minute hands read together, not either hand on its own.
2:30
